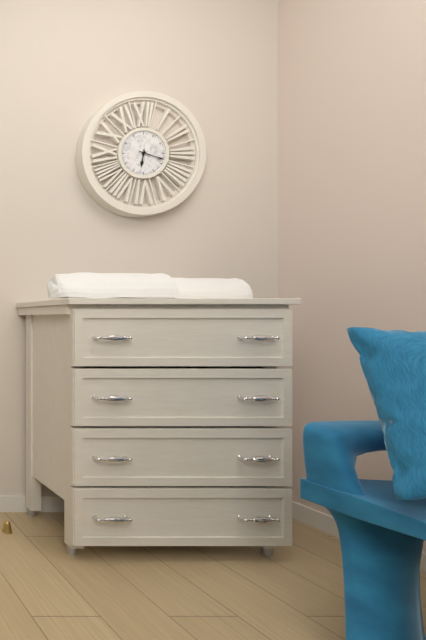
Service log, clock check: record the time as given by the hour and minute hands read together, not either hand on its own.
6:18
